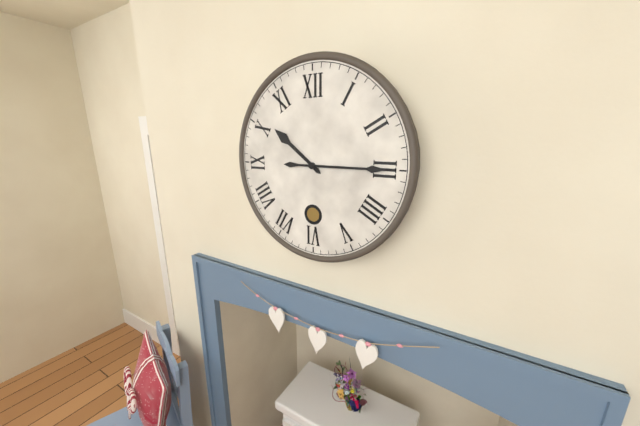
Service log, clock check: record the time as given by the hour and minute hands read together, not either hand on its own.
10:15
